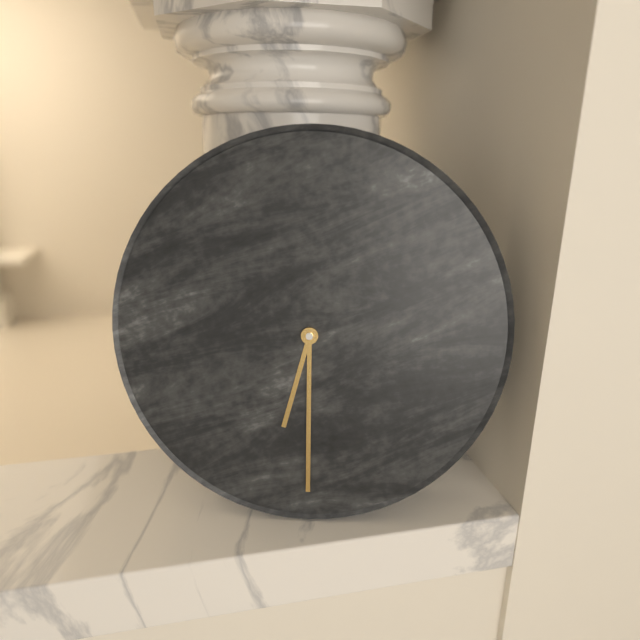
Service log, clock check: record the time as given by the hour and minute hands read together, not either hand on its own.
6:30
